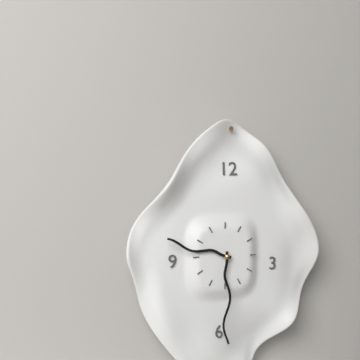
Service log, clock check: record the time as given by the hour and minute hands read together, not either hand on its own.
9:30
